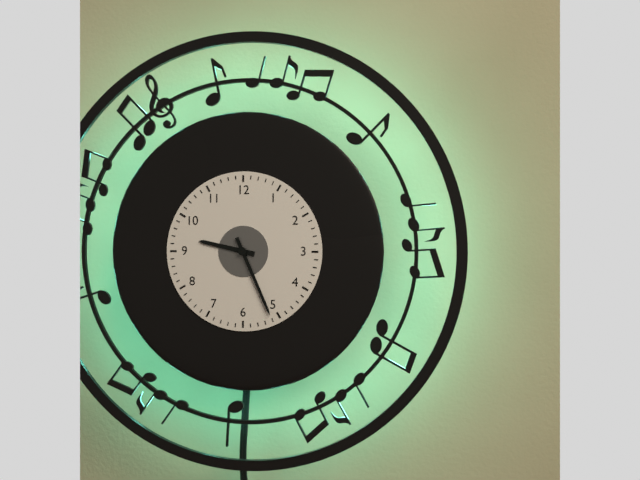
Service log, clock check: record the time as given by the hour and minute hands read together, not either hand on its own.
9:26
